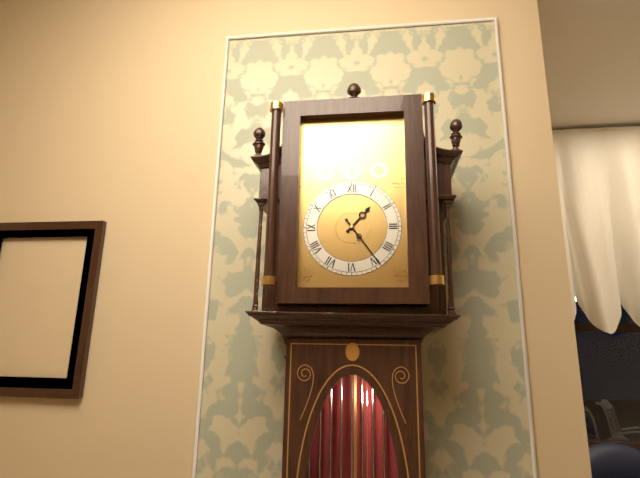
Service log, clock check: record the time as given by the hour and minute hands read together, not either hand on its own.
1:24
